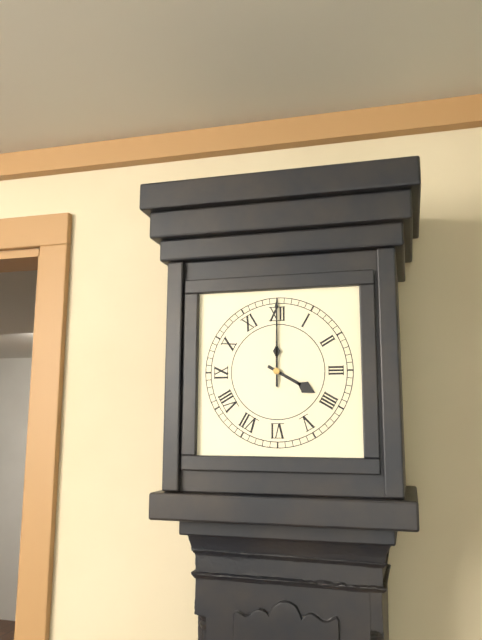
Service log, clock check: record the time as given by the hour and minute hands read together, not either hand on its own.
4:00
